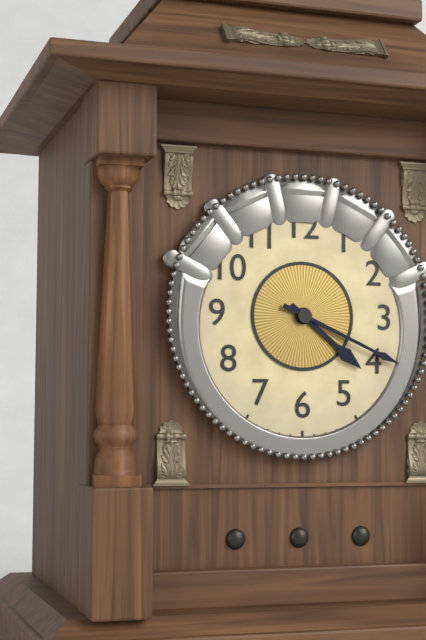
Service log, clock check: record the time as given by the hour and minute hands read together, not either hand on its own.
4:19
